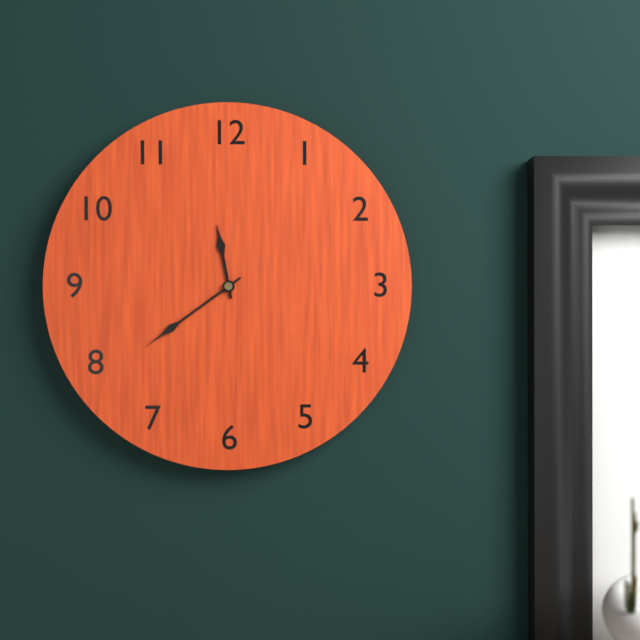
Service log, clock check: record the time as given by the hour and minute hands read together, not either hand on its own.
11:39
